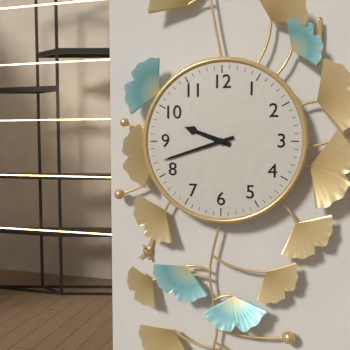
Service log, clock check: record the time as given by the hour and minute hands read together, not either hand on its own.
9:42
